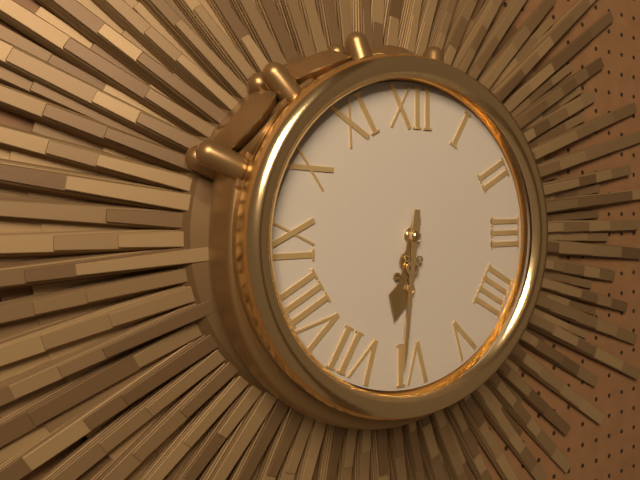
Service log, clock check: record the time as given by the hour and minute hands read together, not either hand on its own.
6:31
